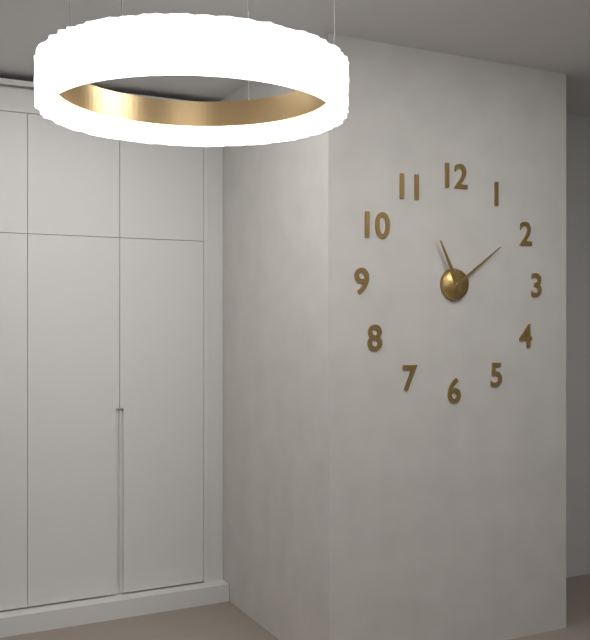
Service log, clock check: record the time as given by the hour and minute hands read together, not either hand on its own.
11:09
